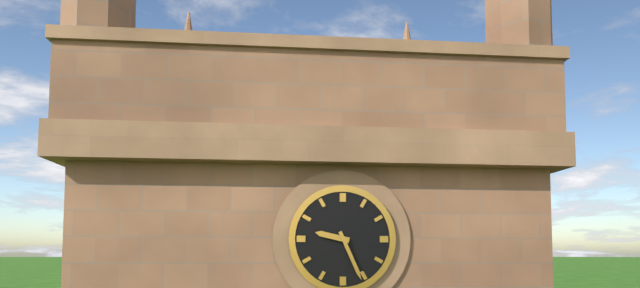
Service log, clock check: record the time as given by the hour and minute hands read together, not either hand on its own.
9:26
